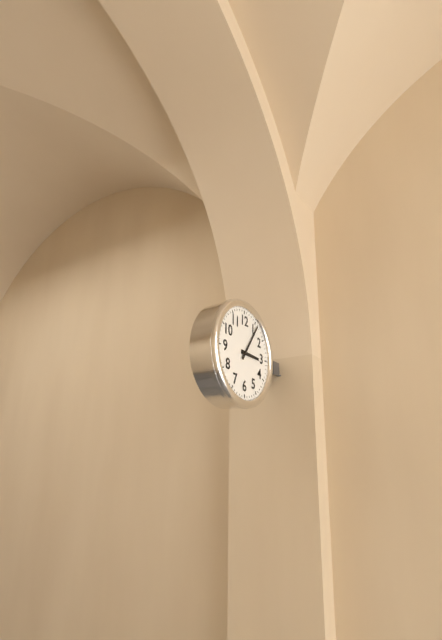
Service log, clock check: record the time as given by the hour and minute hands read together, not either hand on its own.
3:06
